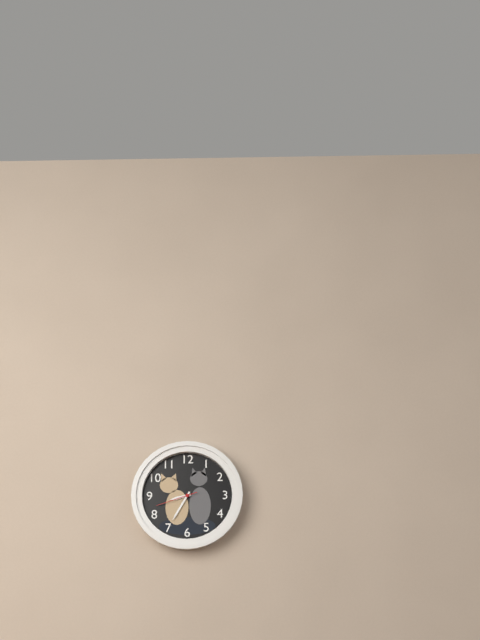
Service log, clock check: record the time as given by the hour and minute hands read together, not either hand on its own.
8:35
